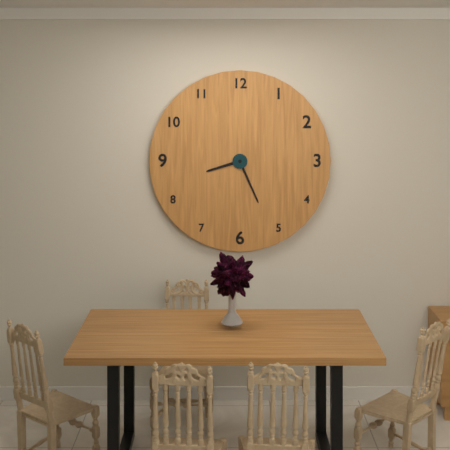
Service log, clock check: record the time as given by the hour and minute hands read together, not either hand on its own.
8:26
